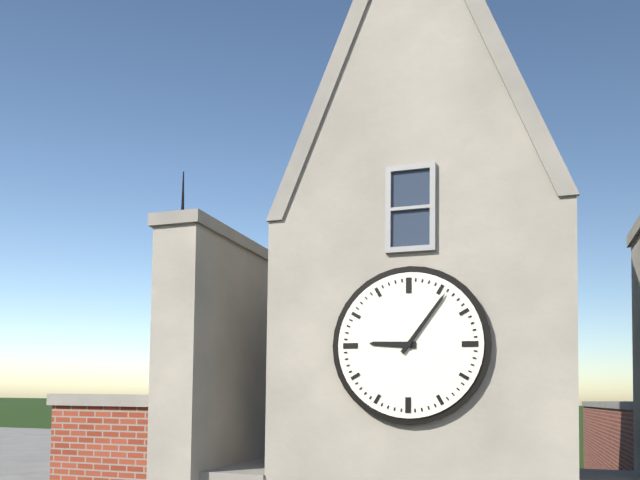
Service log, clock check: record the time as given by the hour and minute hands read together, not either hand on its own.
9:06
